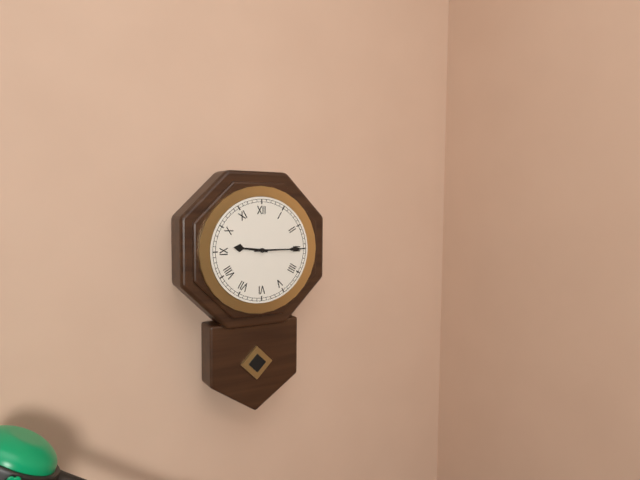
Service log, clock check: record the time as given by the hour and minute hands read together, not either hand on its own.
9:15
